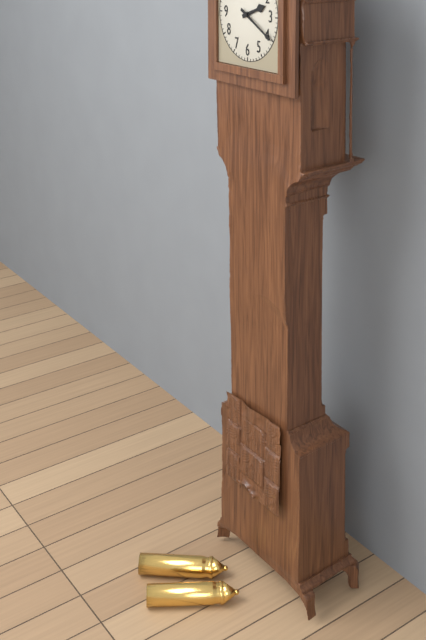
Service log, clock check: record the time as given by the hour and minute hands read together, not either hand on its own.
2:20
